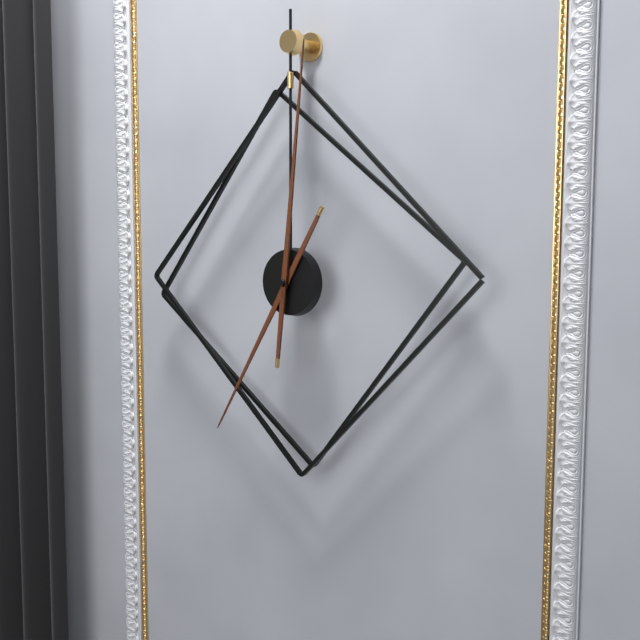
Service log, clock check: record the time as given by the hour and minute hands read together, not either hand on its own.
7:01
